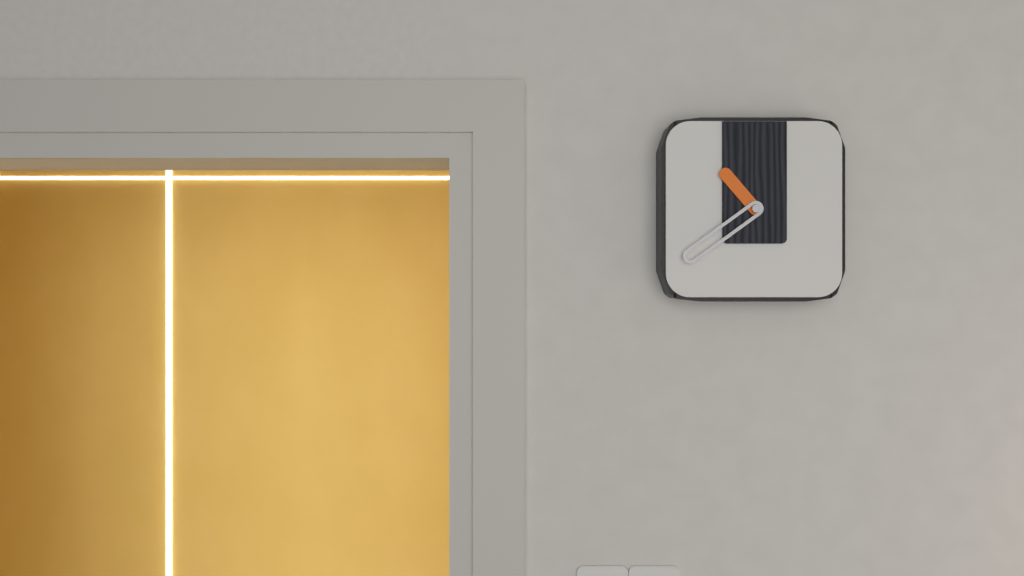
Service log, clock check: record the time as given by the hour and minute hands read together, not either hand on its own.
10:39
